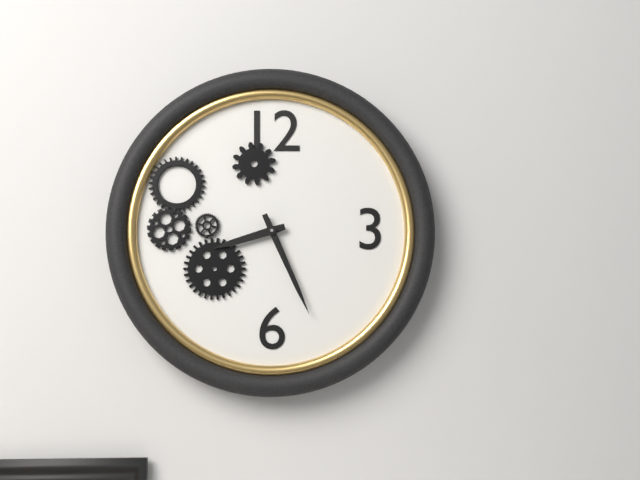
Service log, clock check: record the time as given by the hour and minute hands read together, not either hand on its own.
8:26
